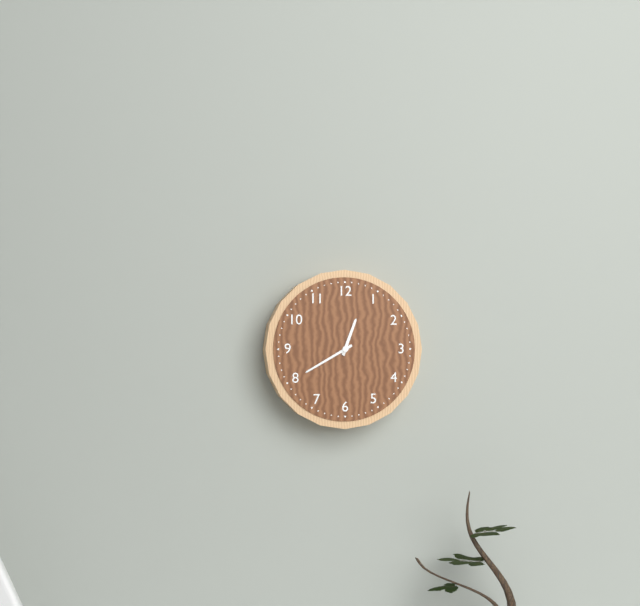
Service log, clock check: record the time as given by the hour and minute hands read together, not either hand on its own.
12:40
